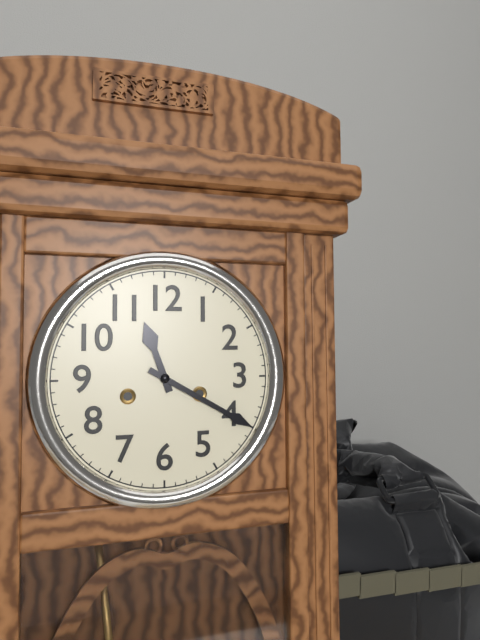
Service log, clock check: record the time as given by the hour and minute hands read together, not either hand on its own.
11:20
